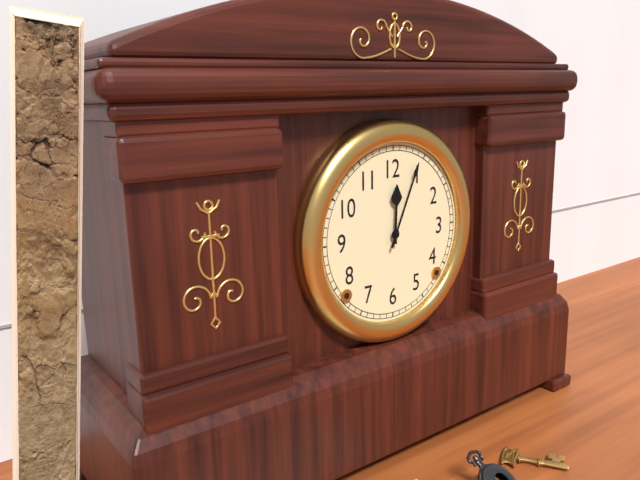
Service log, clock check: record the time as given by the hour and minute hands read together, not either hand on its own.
12:04
